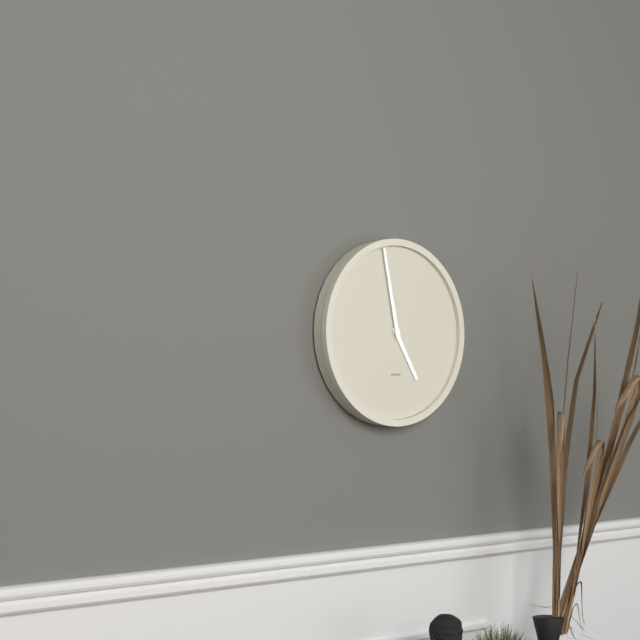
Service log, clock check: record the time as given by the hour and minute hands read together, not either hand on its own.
4:58
